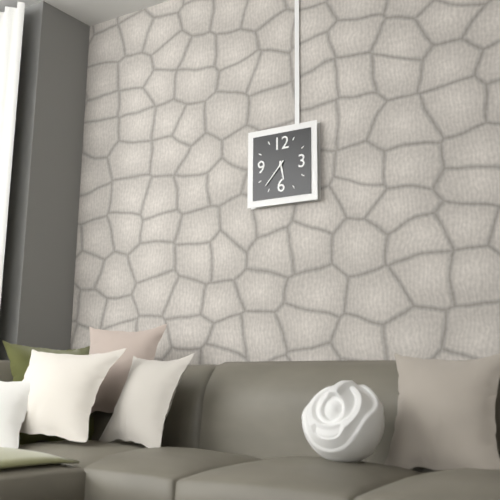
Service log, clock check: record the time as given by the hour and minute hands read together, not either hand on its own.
5:37
